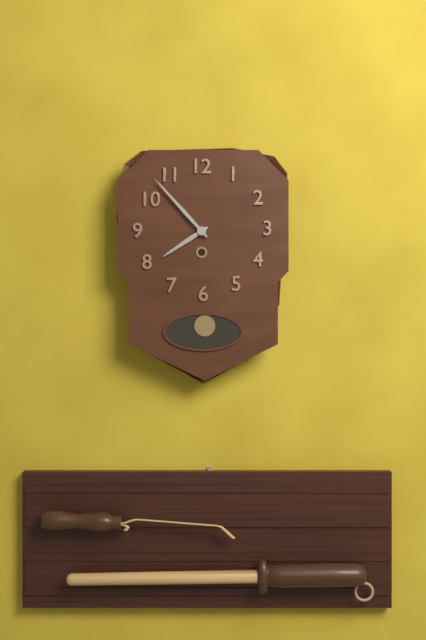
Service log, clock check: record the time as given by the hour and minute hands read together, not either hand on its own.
7:53
